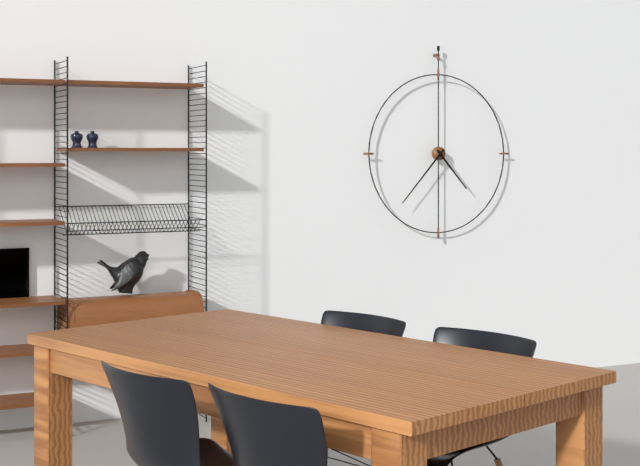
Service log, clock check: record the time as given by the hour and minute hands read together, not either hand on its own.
4:37
